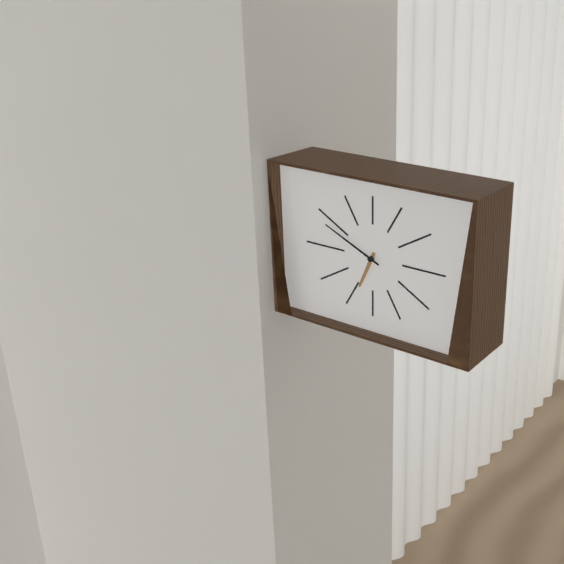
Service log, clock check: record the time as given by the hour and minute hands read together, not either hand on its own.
6:49
